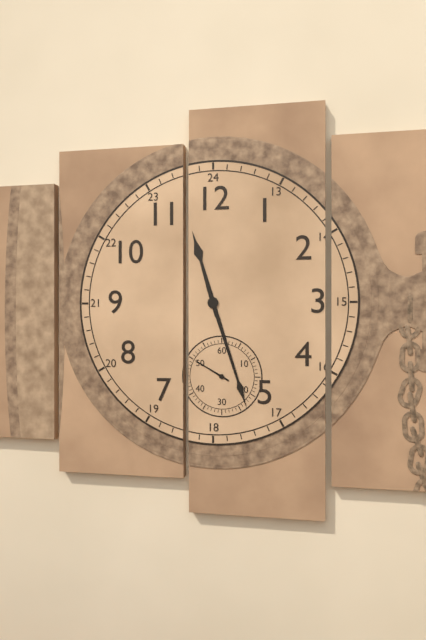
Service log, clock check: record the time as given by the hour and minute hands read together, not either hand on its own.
11:27
